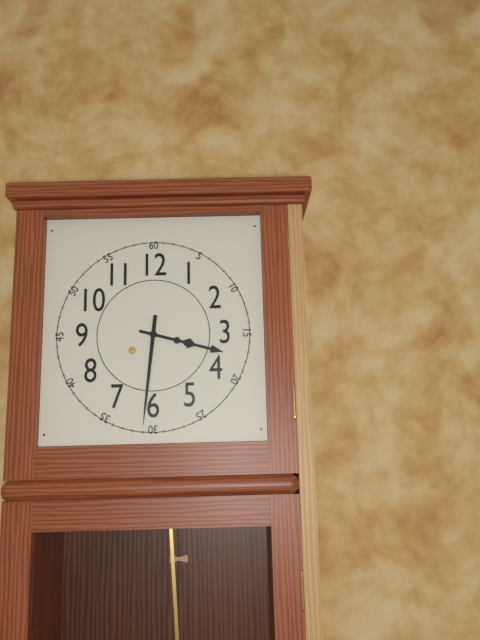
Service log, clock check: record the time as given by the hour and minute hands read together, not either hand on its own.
3:31
